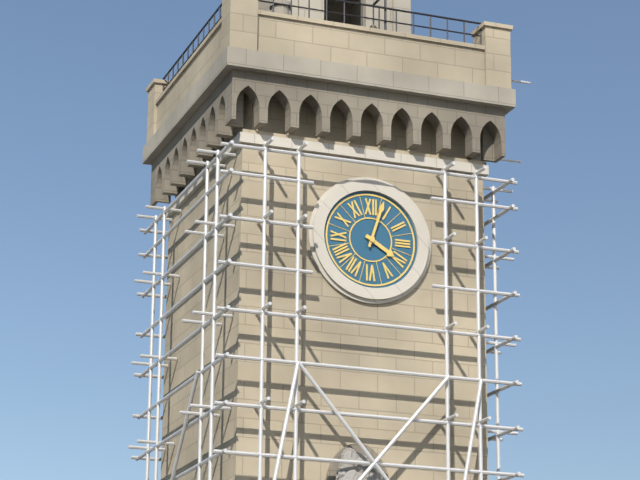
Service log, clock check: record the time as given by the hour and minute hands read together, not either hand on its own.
4:03
